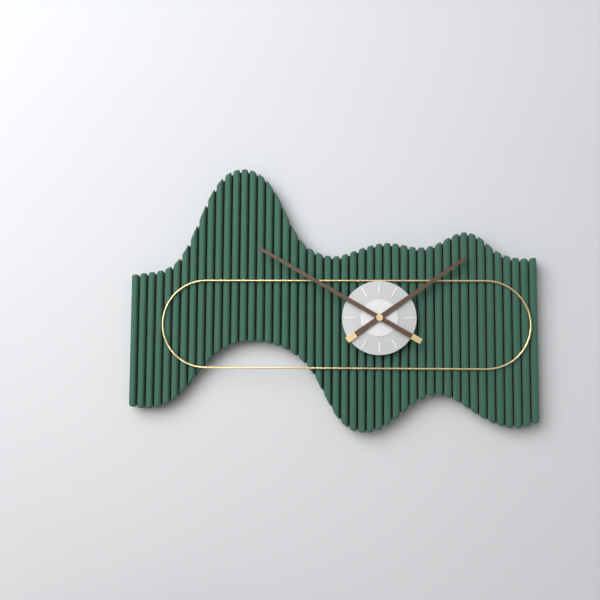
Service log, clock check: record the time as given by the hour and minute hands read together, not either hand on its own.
1:50
